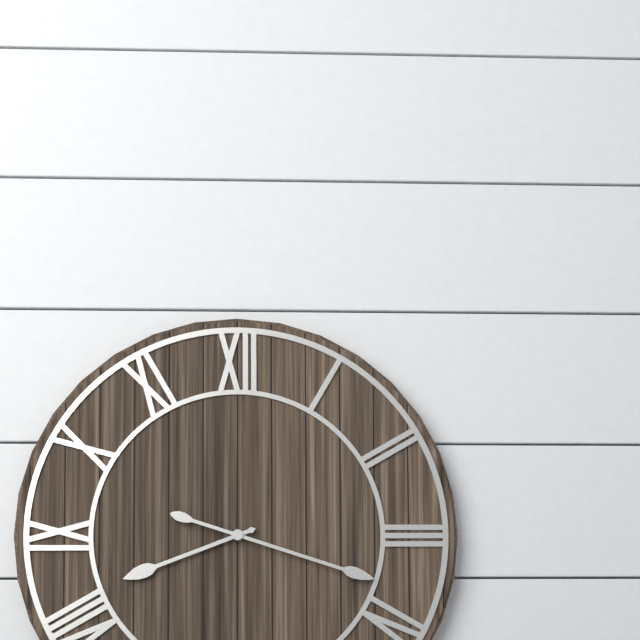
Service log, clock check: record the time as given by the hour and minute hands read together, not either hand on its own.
8:18
